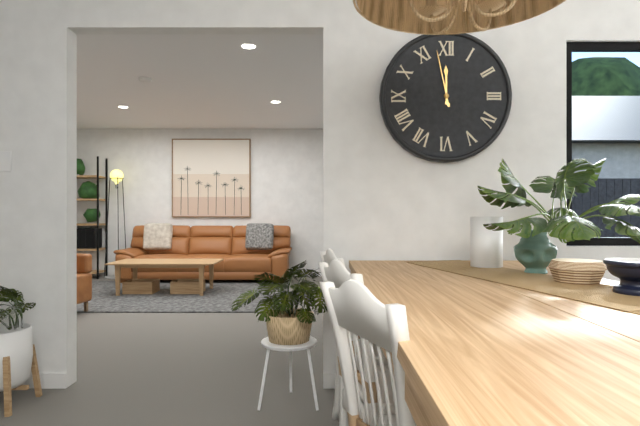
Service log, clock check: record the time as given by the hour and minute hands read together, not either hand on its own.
11:58
